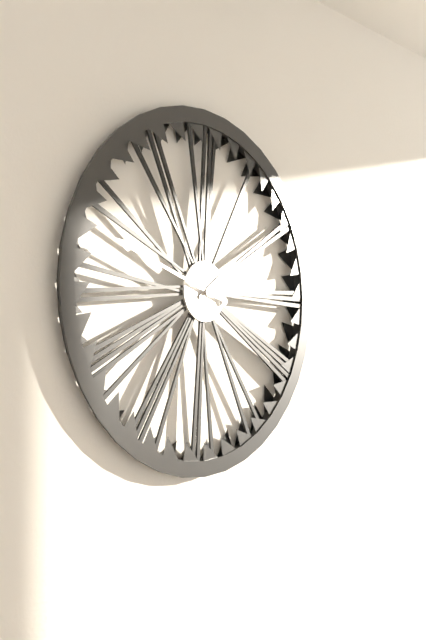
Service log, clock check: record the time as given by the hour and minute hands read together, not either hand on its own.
1:48
